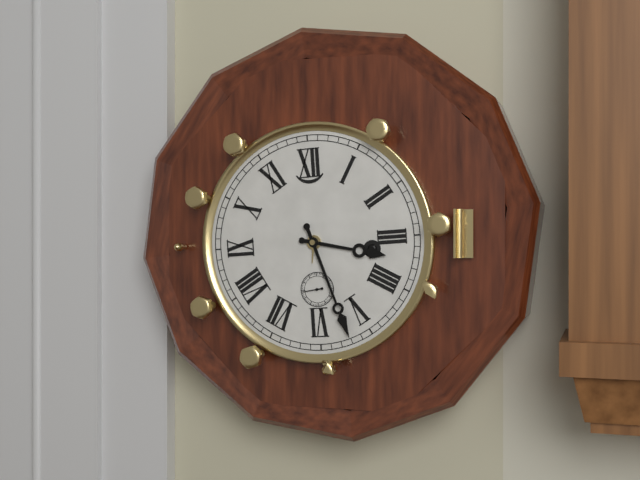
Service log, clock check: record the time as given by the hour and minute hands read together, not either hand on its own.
3:27
